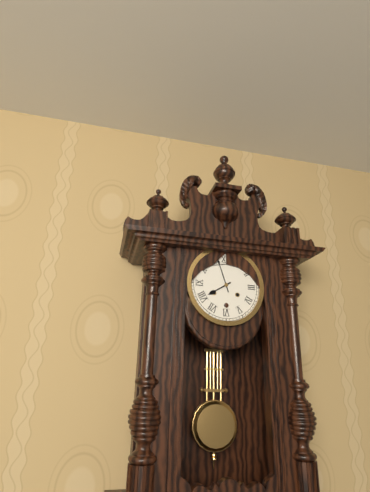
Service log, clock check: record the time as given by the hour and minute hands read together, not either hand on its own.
7:57
